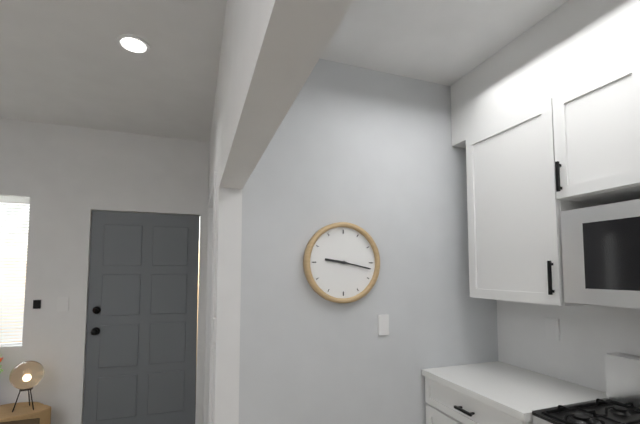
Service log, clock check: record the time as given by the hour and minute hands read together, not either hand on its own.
9:17
